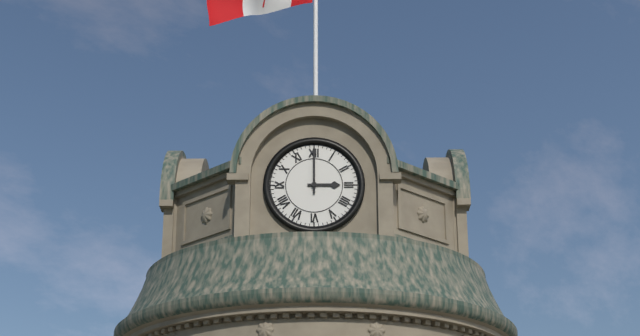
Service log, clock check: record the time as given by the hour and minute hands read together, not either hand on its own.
3:00
